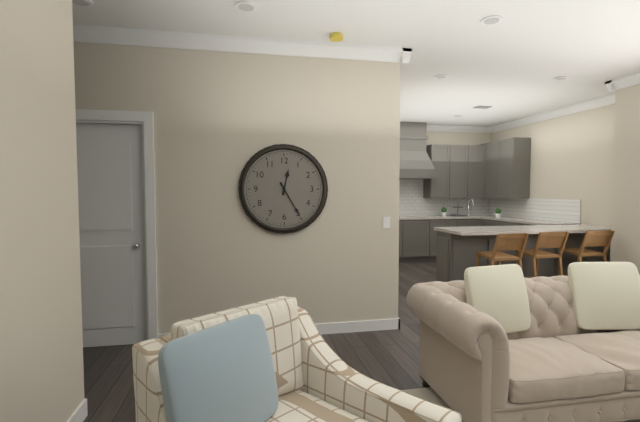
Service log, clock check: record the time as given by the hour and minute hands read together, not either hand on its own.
12:25
